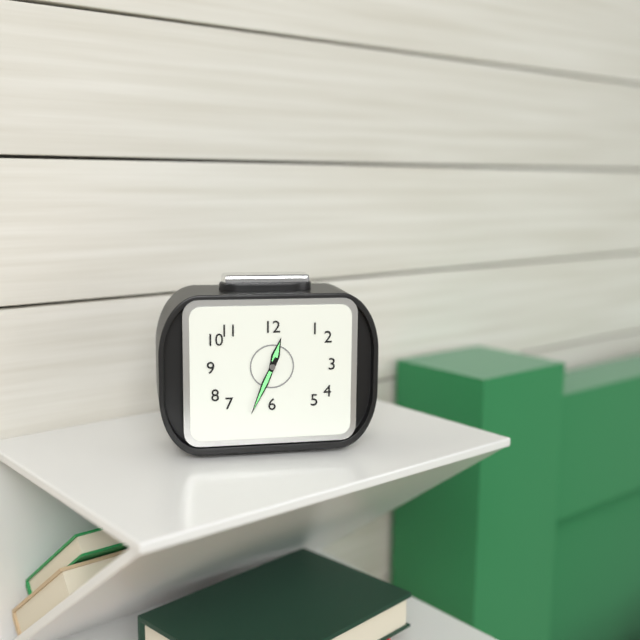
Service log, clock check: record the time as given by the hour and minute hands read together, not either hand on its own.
12:34
